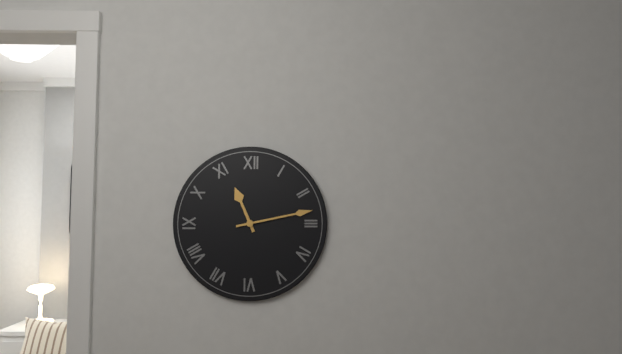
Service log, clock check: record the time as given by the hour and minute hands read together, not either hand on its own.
11:13
